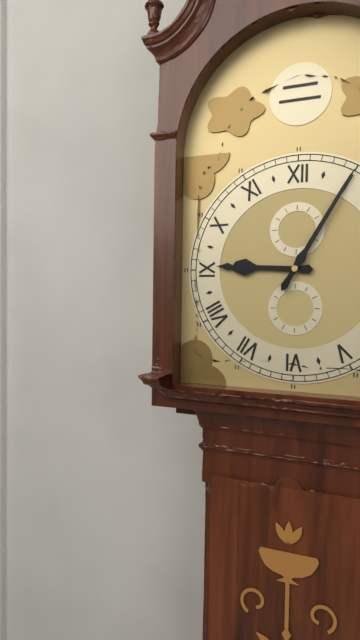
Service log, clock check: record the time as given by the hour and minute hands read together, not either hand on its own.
9:05
